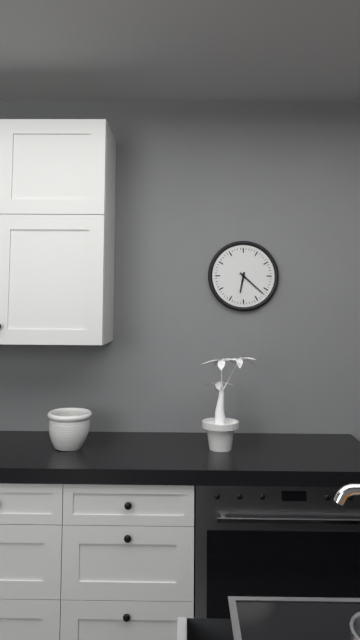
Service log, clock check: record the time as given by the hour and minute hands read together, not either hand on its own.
6:22
